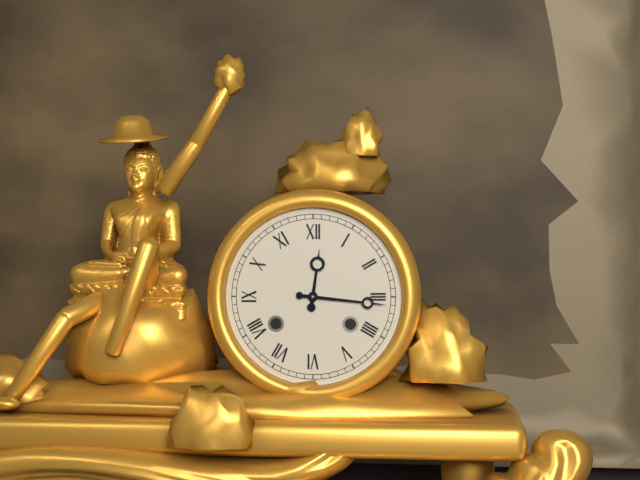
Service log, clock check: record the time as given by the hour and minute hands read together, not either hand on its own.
12:16
